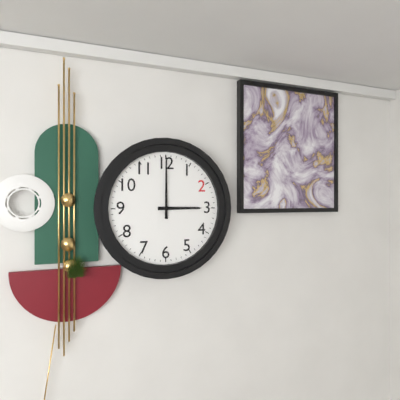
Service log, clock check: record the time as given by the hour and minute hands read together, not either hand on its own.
3:00
